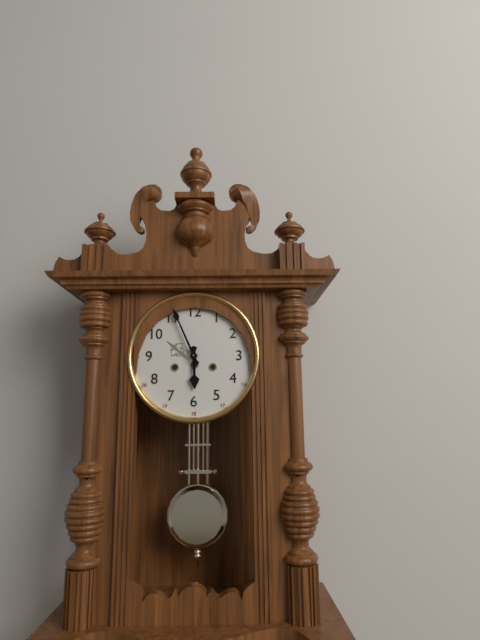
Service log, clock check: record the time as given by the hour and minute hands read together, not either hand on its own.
5:56
